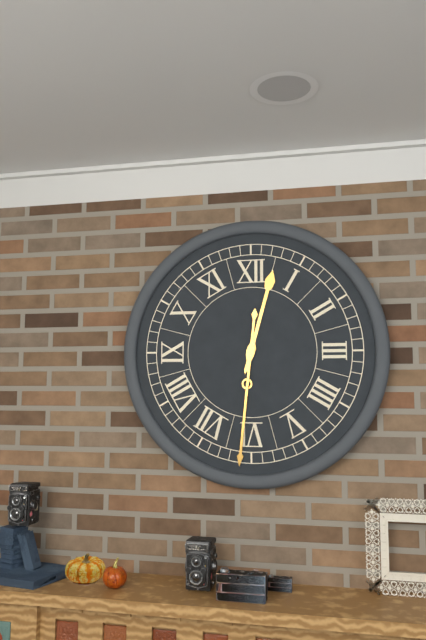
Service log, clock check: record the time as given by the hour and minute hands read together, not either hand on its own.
12:31
